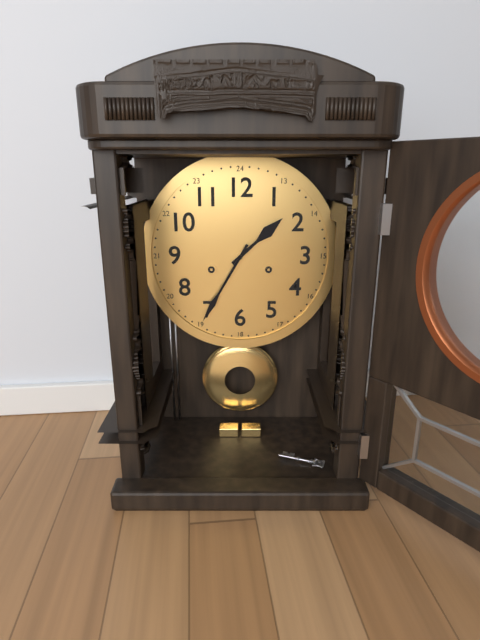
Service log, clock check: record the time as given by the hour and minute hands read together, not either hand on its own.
1:35
